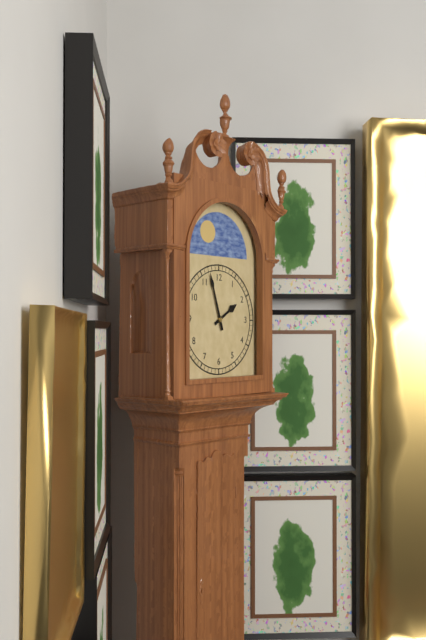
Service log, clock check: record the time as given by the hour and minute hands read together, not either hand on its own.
1:57
